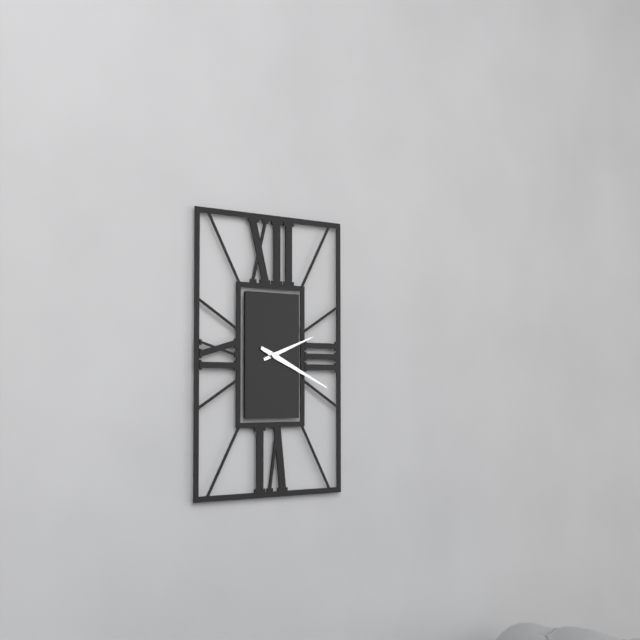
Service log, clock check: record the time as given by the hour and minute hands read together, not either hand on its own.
2:19
